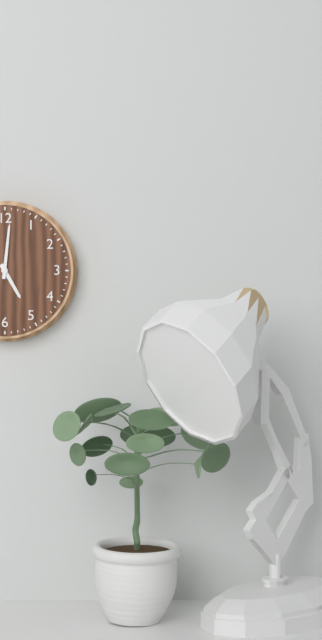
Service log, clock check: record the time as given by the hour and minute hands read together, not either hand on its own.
5:01
